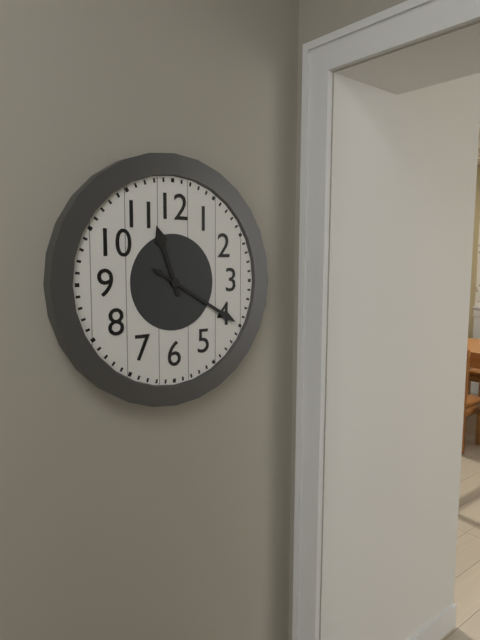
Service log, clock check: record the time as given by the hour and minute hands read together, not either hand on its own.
11:20
